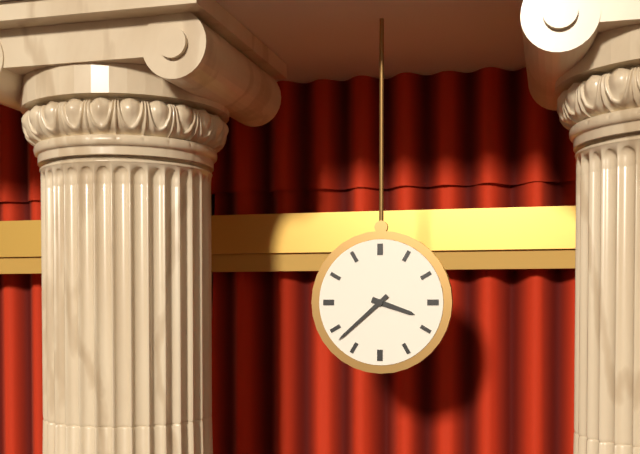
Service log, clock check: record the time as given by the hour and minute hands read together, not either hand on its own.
3:38
